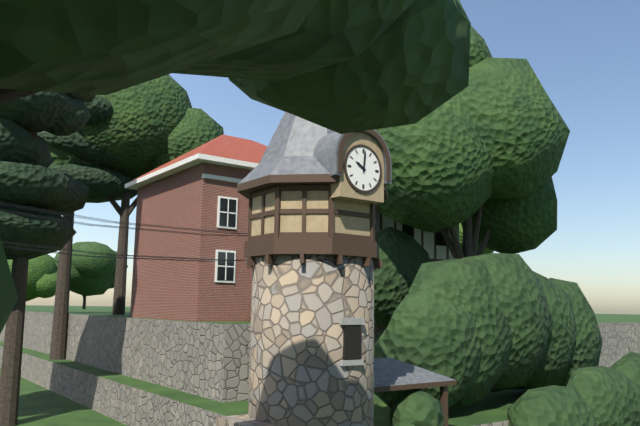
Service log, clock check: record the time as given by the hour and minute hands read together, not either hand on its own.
10:01
